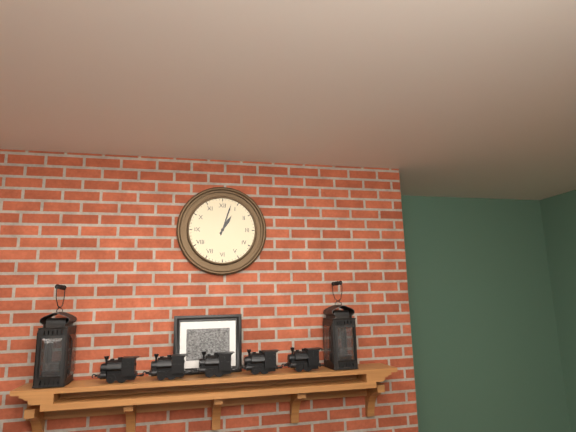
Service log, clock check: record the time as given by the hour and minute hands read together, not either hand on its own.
1:03
